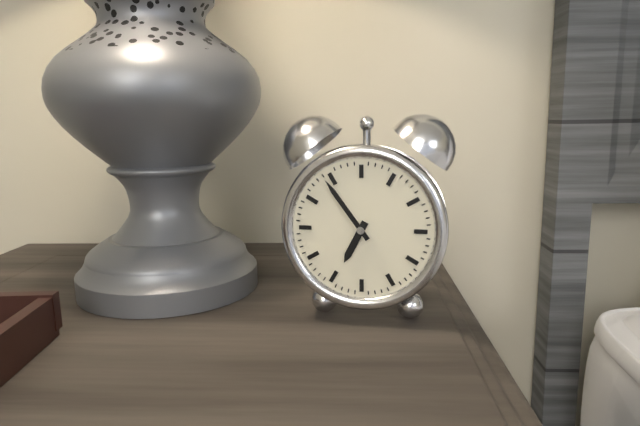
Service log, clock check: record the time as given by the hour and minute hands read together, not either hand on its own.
6:54
